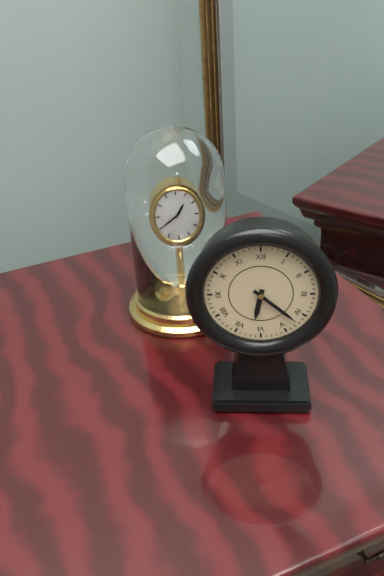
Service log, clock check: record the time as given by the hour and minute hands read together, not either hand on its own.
6:22
